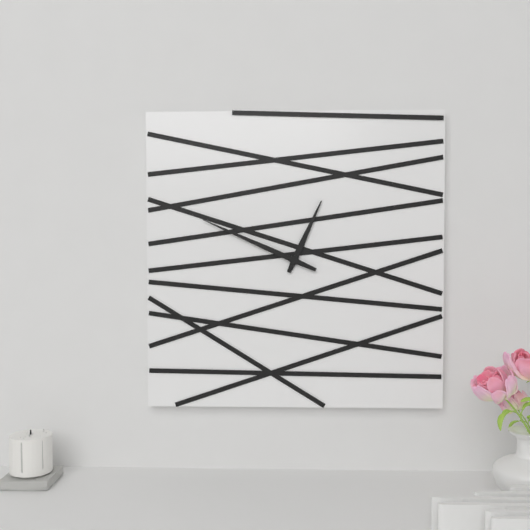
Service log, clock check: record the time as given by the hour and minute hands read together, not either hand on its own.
12:49
